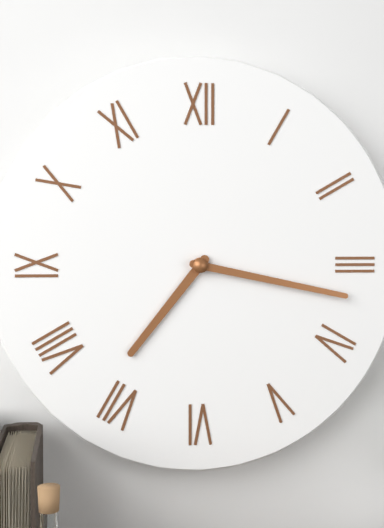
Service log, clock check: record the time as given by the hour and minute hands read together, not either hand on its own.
7:17
